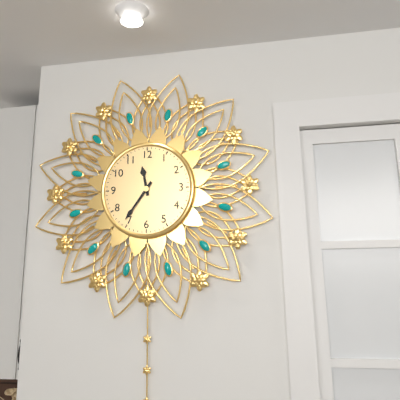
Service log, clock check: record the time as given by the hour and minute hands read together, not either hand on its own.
11:36
